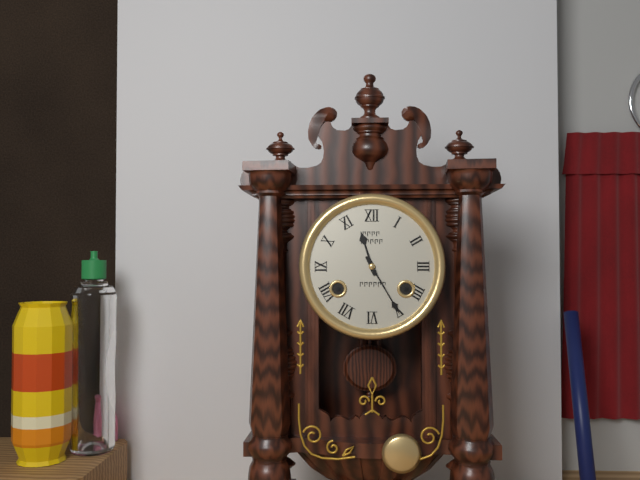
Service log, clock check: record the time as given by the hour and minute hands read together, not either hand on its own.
11:25
